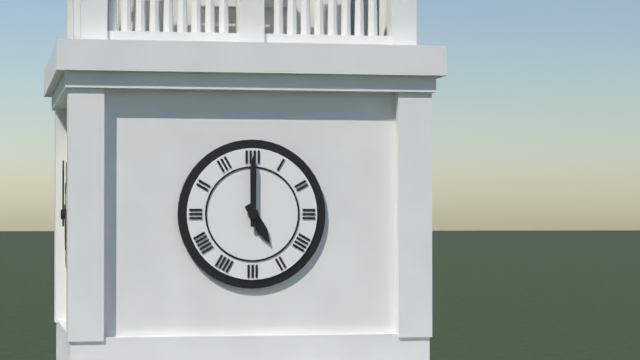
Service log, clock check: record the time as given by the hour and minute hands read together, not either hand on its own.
5:00
